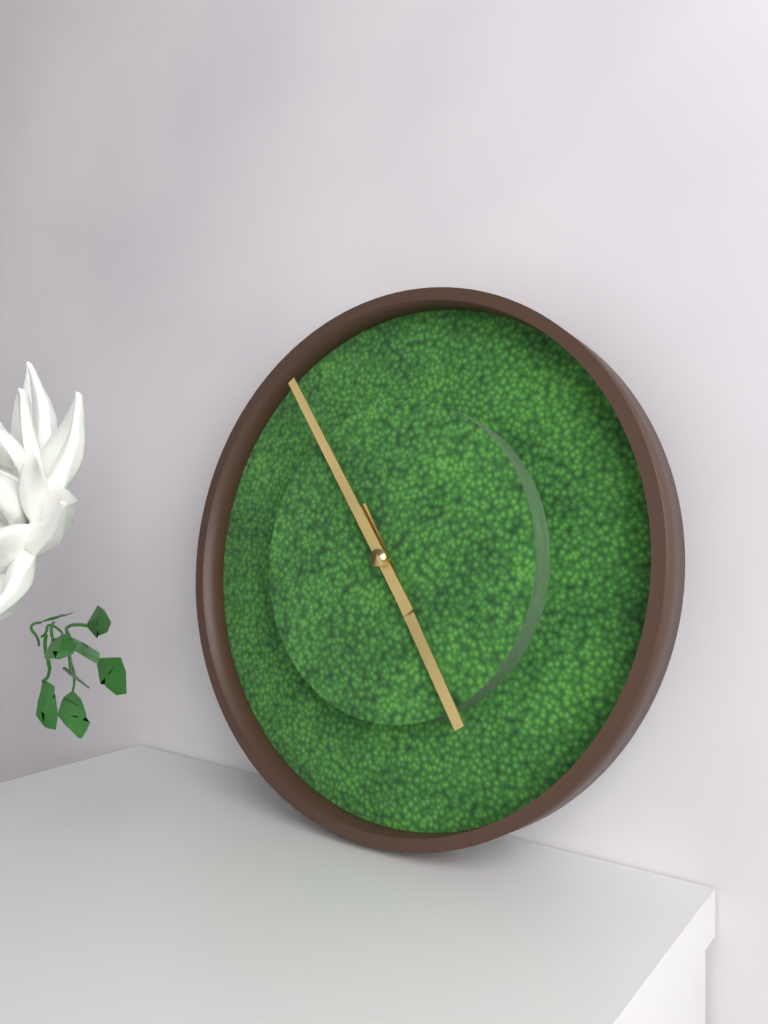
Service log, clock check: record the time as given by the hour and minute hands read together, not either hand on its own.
4:54
